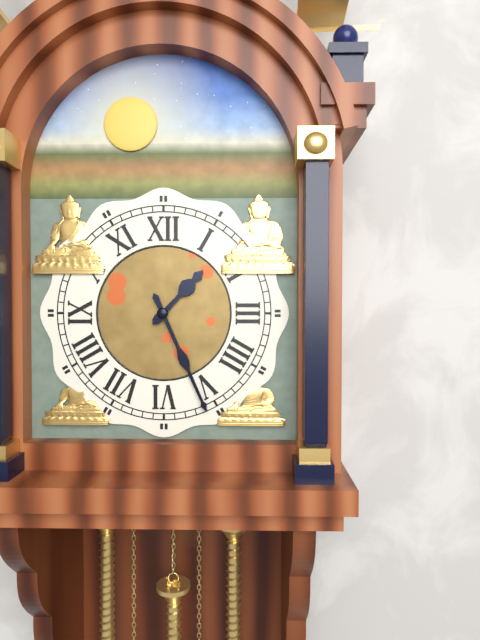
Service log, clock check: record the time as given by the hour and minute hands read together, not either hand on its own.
1:26
